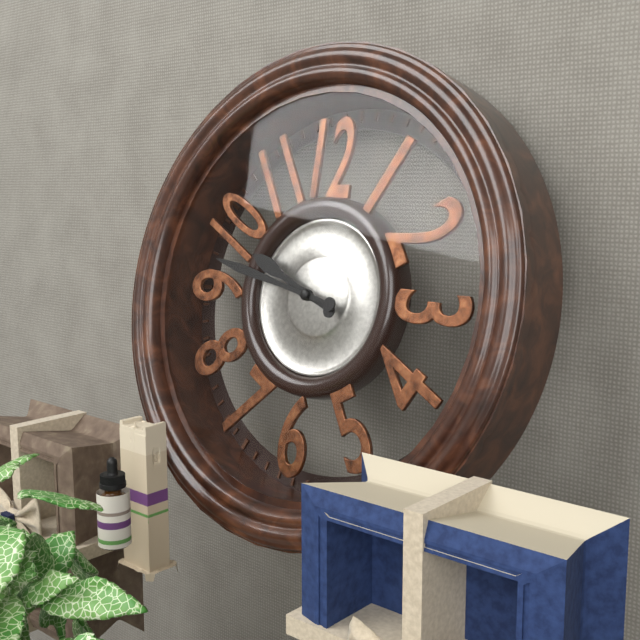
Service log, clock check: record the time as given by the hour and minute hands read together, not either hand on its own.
9:47
